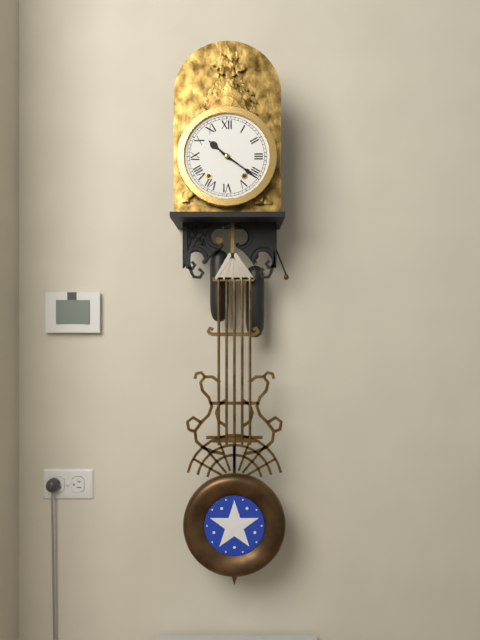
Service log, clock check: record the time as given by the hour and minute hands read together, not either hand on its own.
10:21
